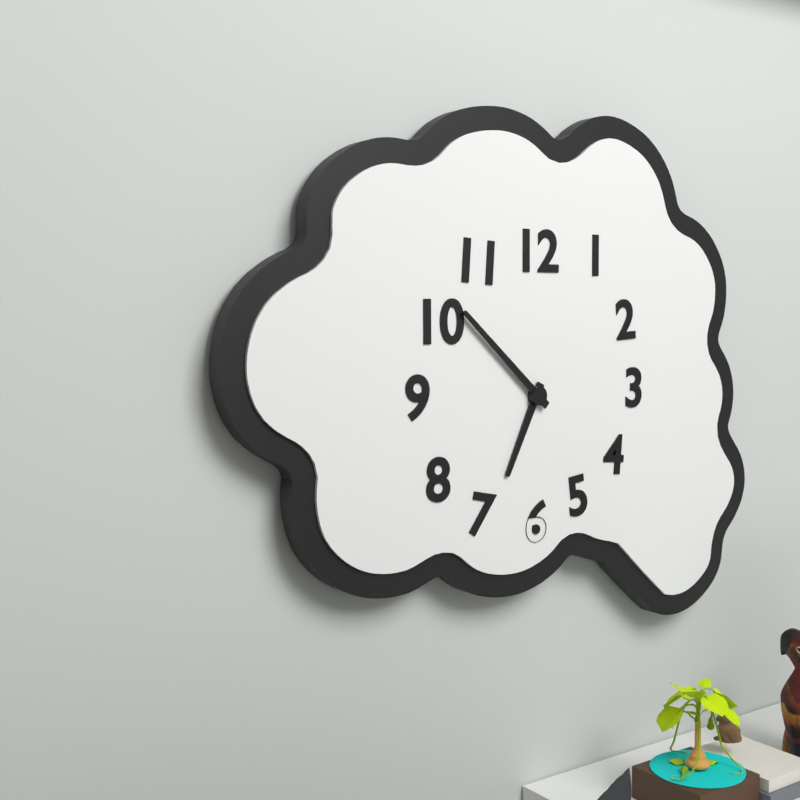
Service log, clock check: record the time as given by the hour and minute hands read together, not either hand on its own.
6:52
